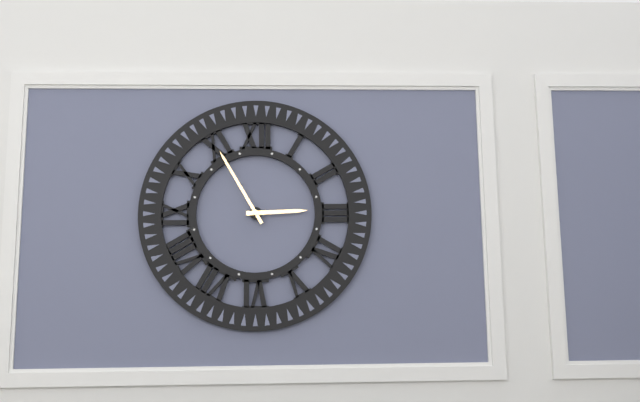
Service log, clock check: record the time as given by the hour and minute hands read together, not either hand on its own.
2:55
